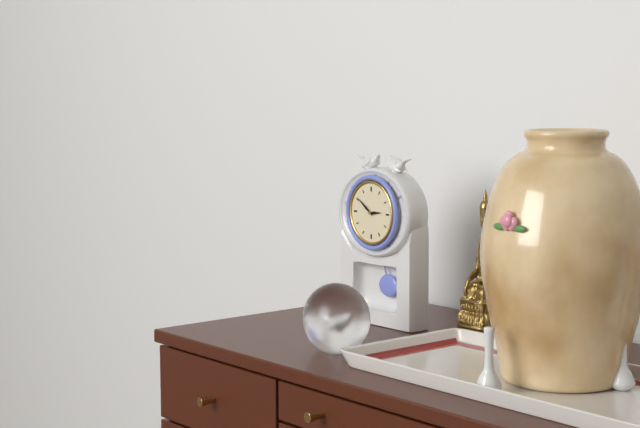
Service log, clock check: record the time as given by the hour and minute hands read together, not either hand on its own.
2:51
